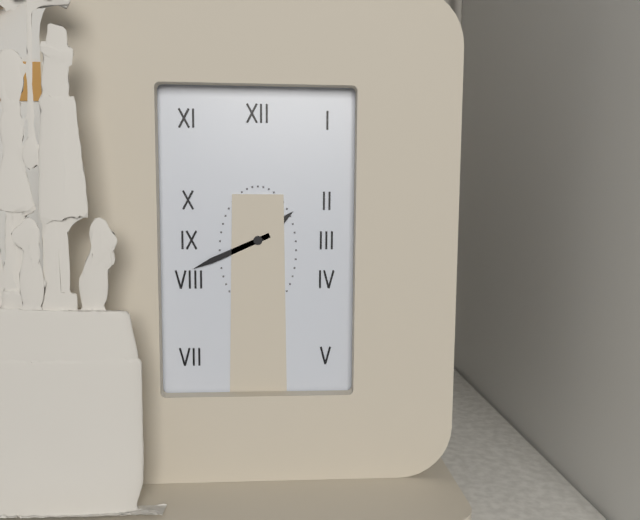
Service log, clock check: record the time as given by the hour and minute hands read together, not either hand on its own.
1:41
